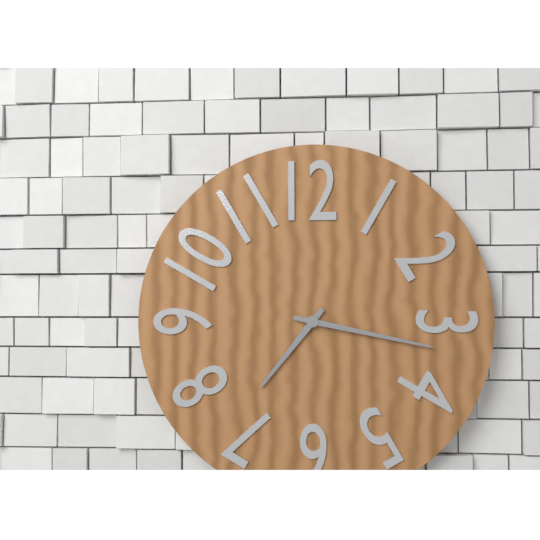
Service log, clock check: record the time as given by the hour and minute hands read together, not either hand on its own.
7:17
